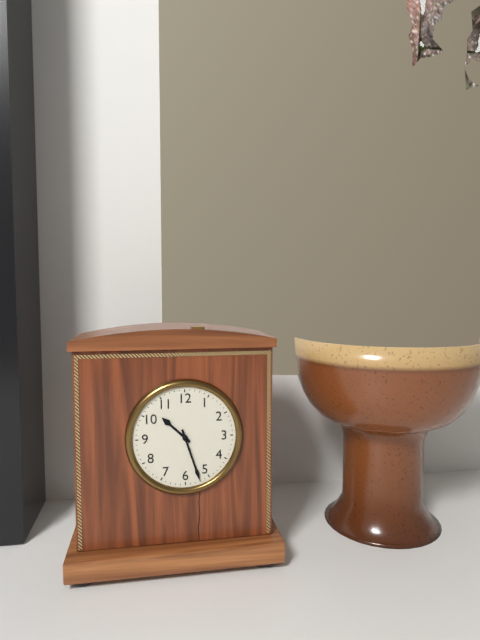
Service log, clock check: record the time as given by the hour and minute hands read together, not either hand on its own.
10:27
